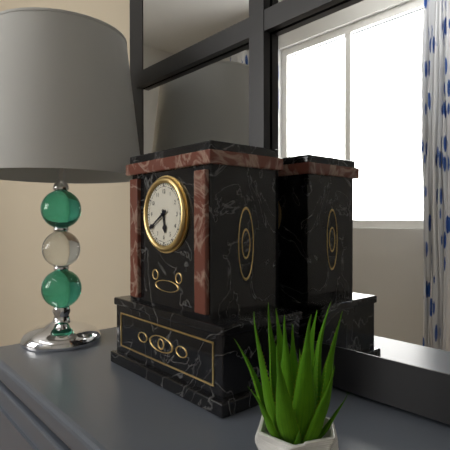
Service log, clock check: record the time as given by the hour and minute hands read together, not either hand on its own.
5:40
